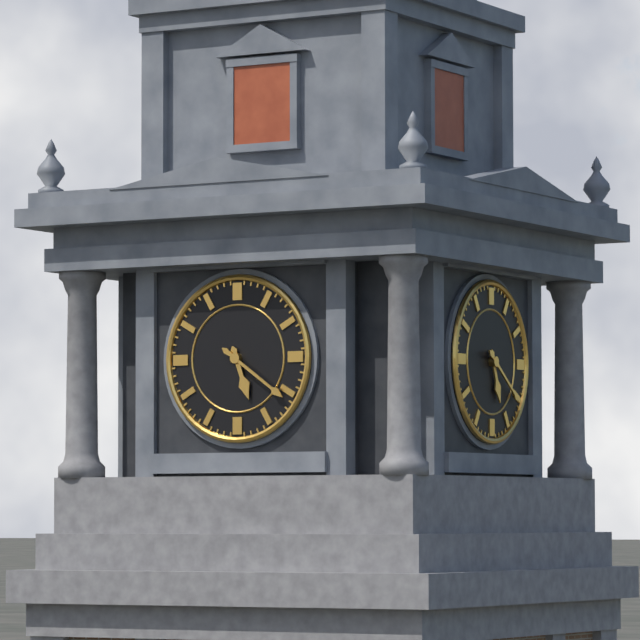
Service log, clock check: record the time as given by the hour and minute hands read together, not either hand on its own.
5:21
